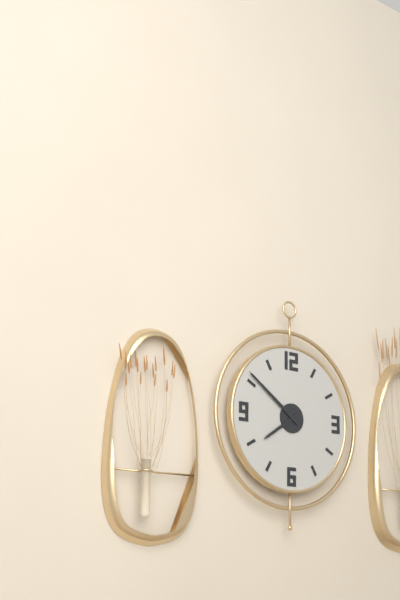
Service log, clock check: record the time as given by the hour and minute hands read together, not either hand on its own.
7:51
